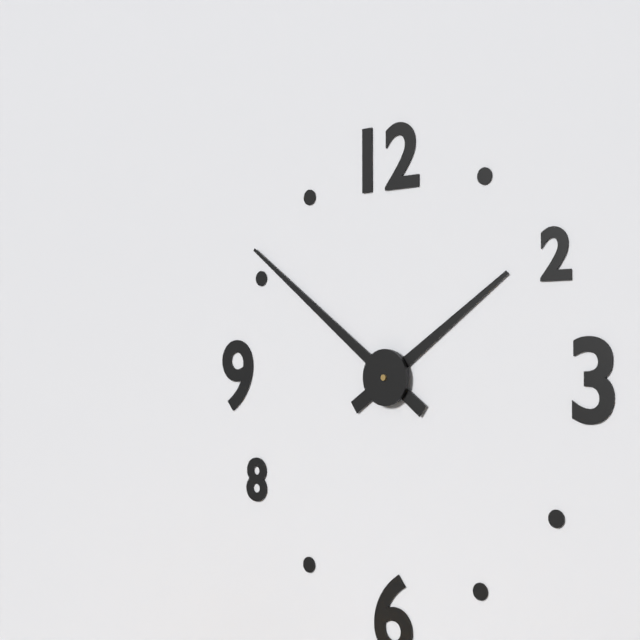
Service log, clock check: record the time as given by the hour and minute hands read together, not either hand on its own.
1:51
